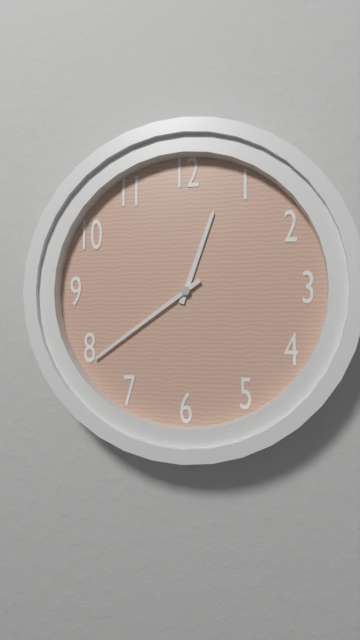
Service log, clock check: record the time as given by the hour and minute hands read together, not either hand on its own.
12:39
